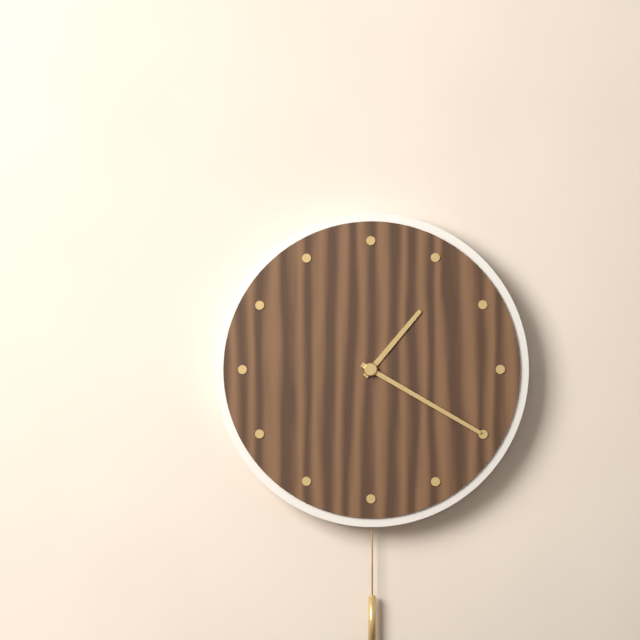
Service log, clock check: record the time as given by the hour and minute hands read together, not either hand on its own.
1:20
